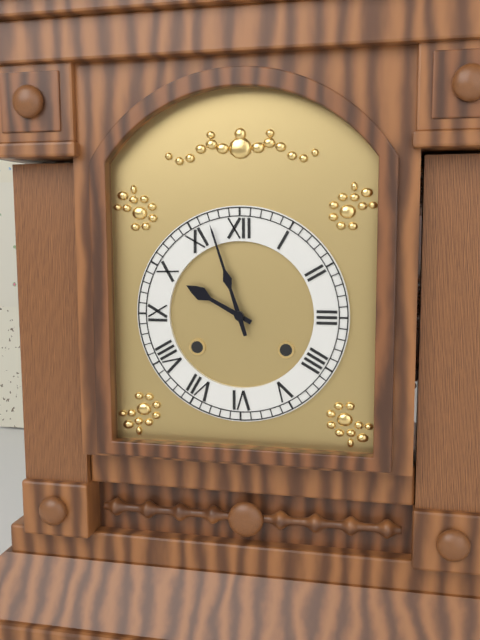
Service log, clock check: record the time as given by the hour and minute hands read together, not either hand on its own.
9:57
